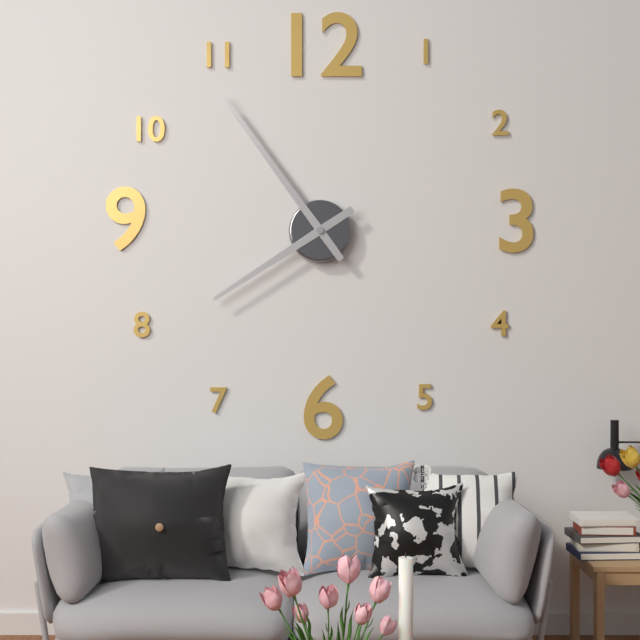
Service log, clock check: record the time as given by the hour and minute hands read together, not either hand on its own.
7:54
